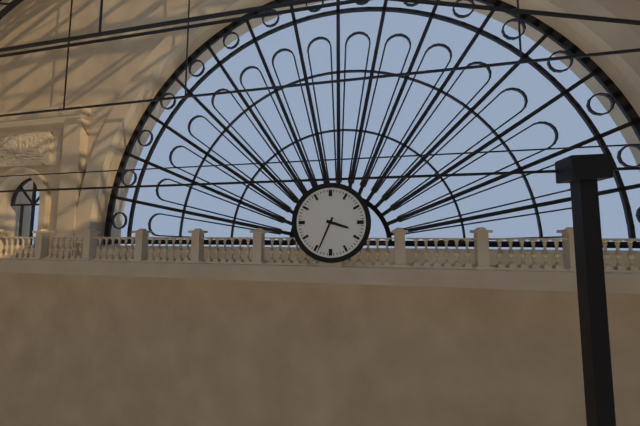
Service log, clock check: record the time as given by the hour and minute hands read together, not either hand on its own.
3:34
